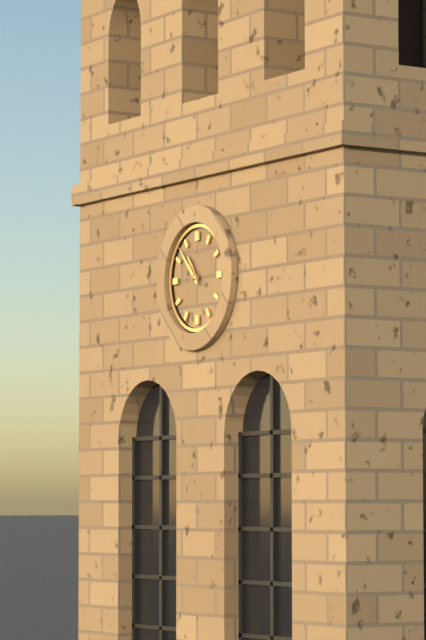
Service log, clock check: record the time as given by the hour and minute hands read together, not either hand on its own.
10:53
